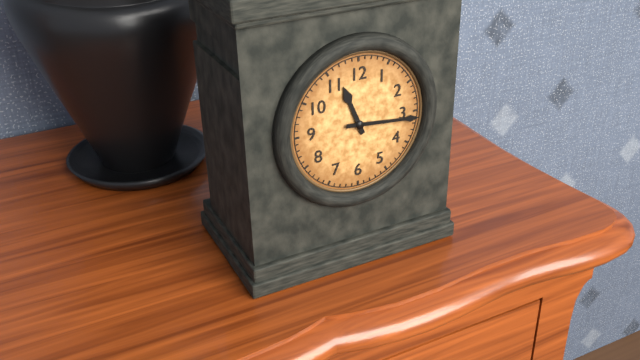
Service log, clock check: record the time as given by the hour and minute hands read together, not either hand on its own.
11:16
